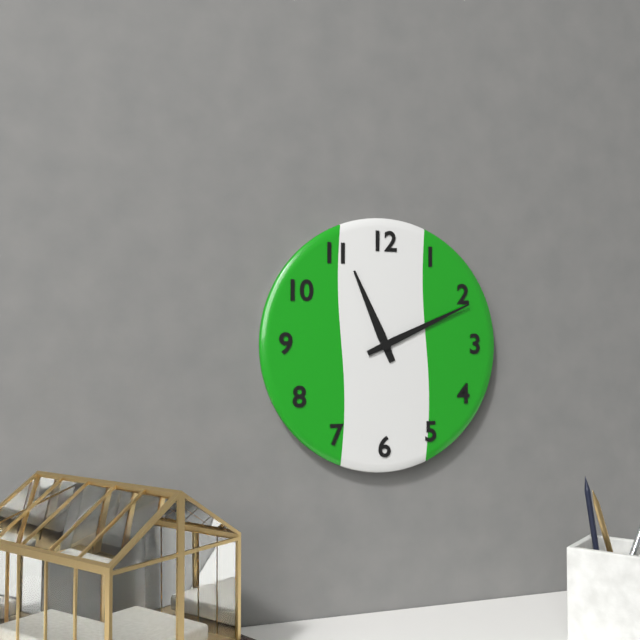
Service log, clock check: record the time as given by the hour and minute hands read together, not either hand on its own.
11:11
